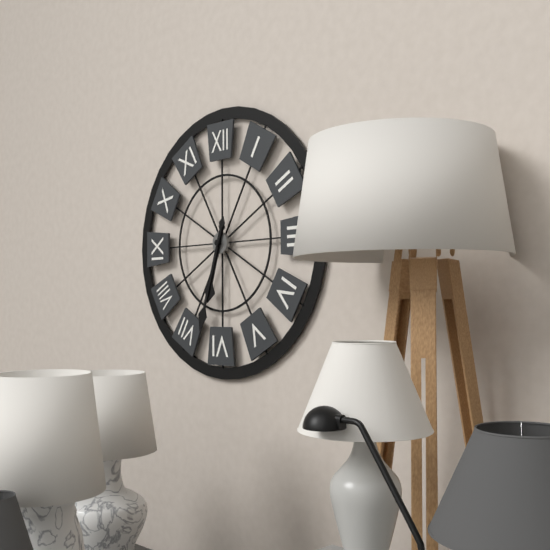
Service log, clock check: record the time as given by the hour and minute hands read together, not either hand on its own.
6:33
